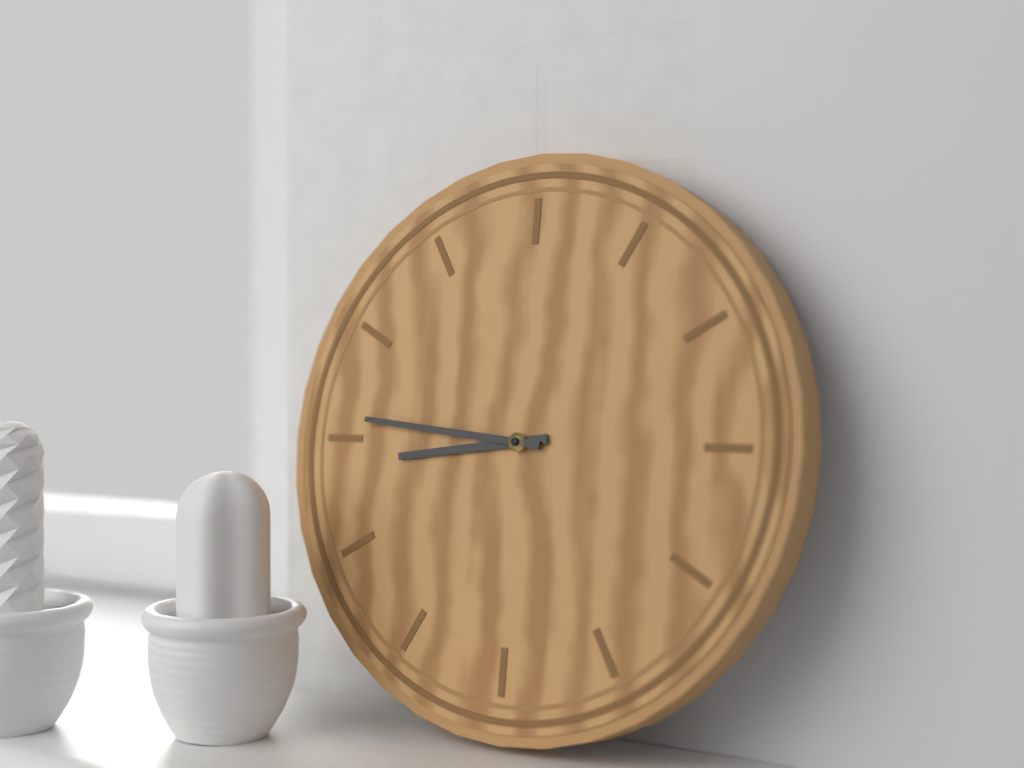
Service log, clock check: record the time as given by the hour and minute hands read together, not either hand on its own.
8:46
